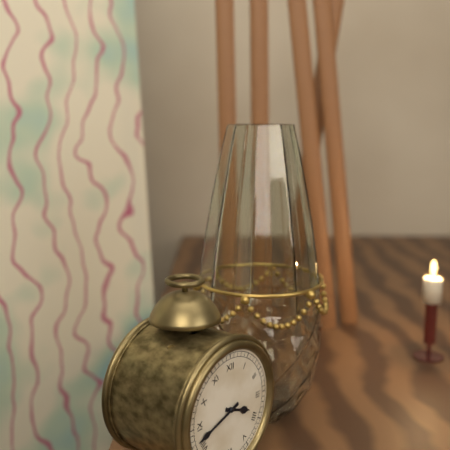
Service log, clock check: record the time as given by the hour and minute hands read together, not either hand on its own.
3:42
